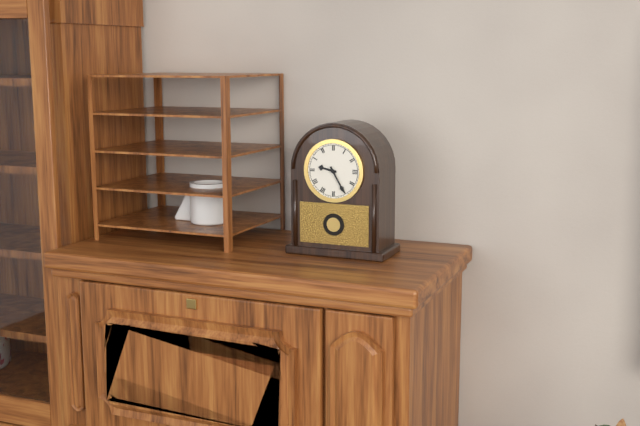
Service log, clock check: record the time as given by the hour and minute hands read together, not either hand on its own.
9:25
